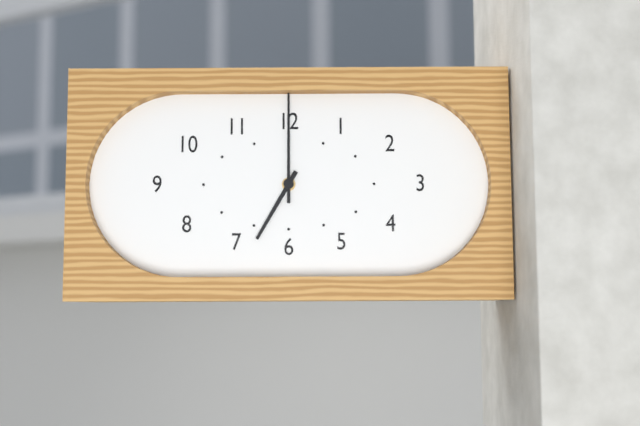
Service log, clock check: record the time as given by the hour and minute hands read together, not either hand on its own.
7:00
